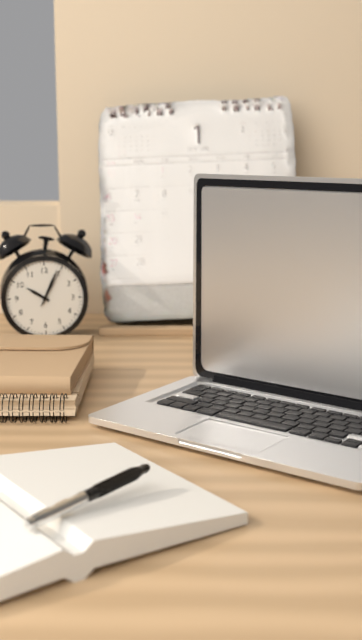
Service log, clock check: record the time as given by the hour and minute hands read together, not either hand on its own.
10:04
